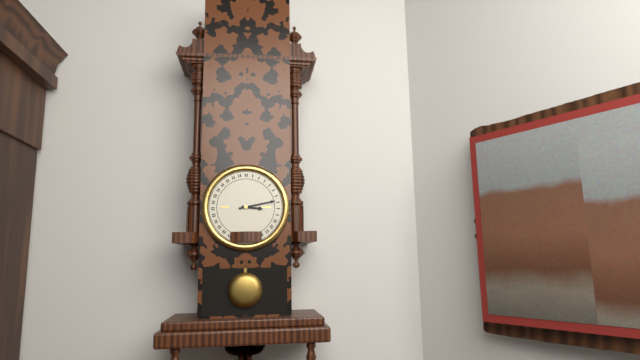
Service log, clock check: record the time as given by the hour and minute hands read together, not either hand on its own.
3:13
